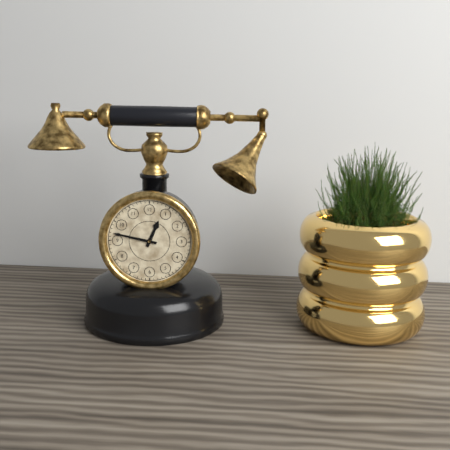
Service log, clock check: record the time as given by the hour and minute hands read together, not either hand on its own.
12:47
